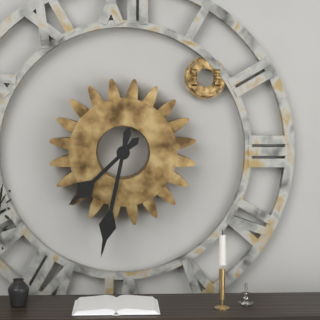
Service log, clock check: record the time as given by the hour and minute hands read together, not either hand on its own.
7:32
